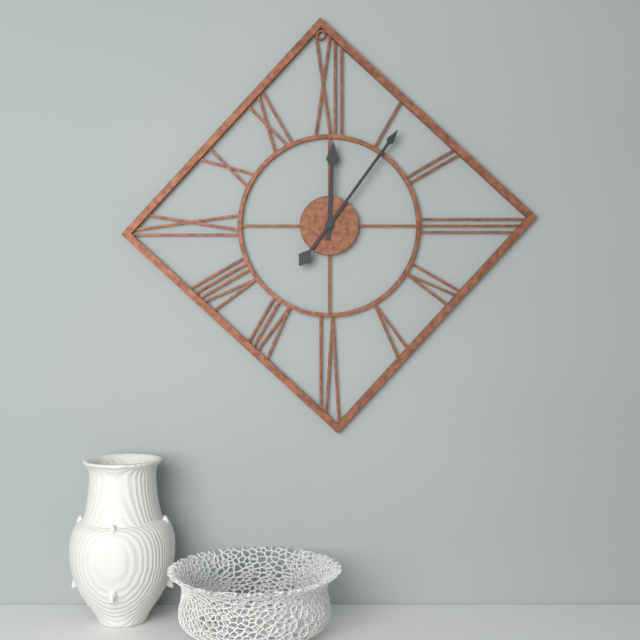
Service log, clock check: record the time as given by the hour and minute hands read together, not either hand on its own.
12:06
